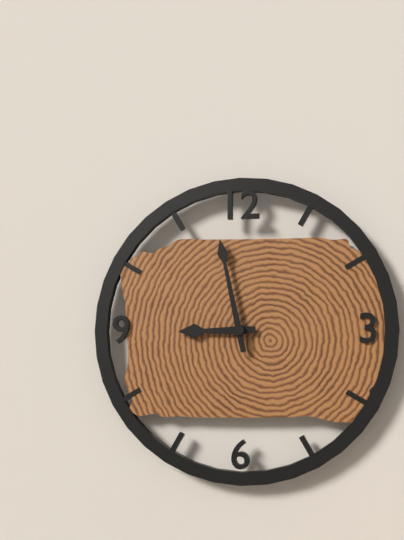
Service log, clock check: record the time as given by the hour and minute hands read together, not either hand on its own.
8:58
